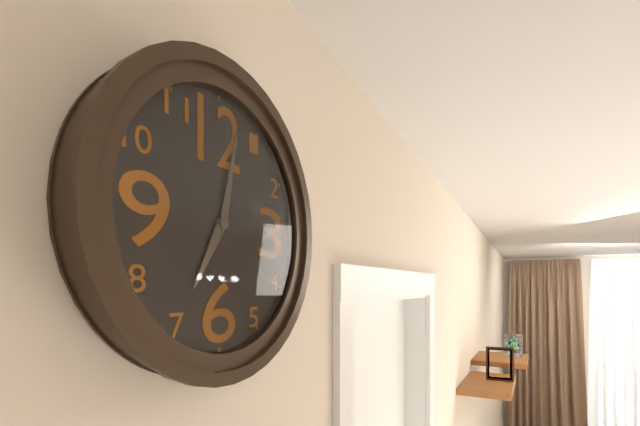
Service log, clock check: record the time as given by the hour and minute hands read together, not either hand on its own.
7:02
